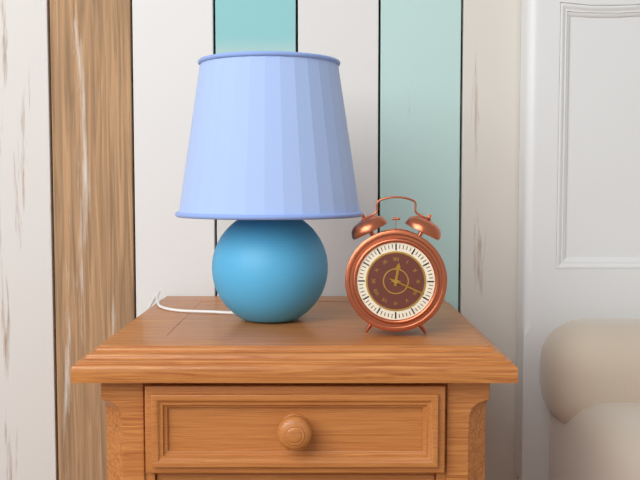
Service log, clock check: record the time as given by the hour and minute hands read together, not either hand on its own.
12:19
